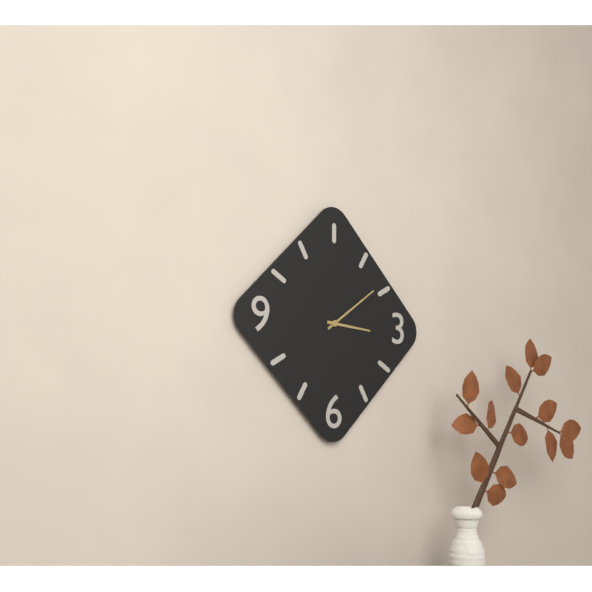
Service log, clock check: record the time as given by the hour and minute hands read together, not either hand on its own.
3:09
